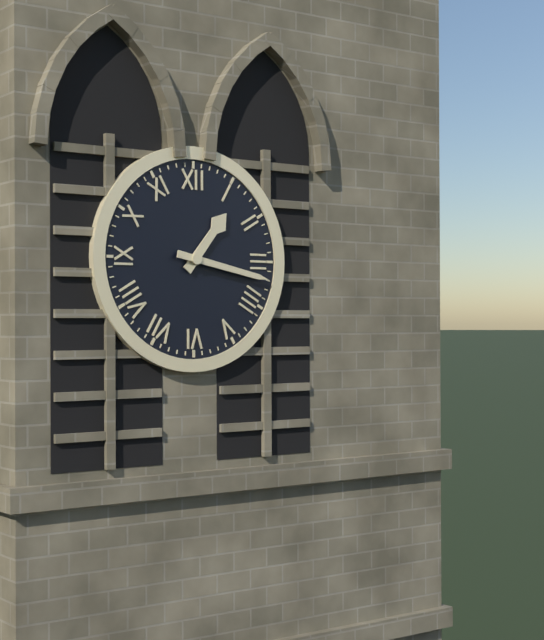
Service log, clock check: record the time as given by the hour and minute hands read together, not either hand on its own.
1:17
